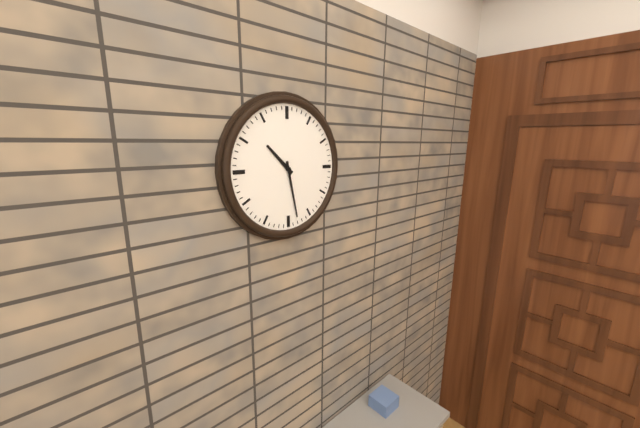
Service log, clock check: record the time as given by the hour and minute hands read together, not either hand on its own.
10:28
